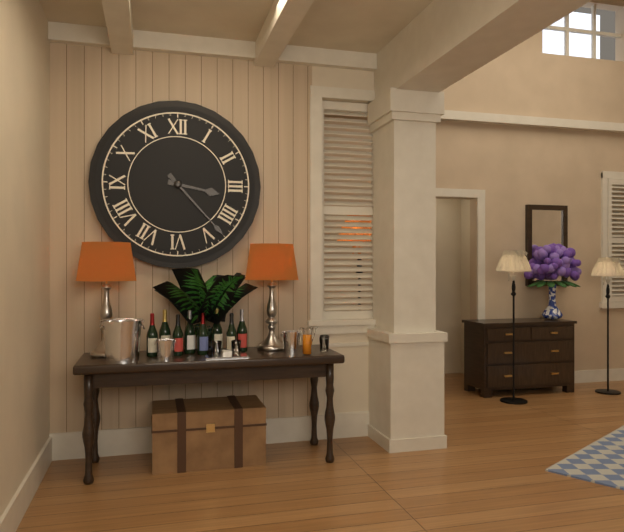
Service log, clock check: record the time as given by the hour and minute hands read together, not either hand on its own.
3:23
